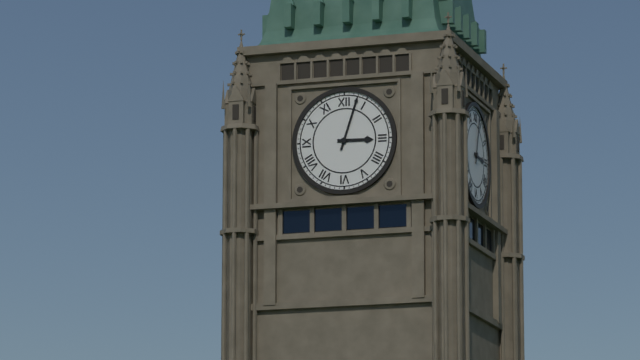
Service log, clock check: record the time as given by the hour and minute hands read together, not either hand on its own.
3:03
